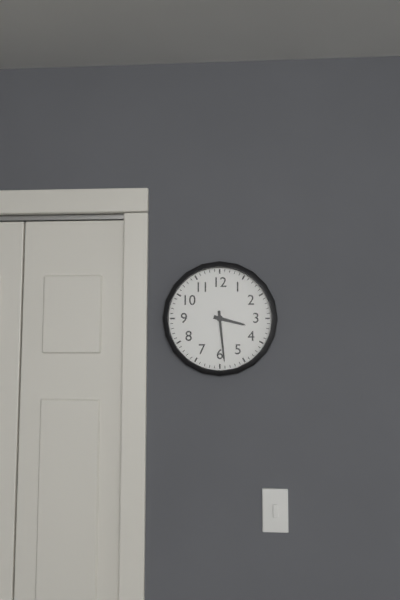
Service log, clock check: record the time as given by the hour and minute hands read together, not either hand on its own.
3:29
